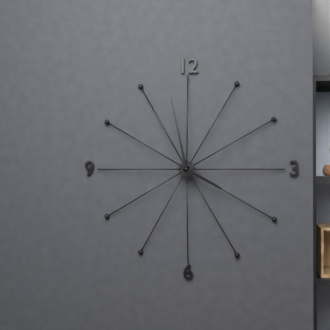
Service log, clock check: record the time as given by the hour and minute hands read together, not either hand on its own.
3:58
